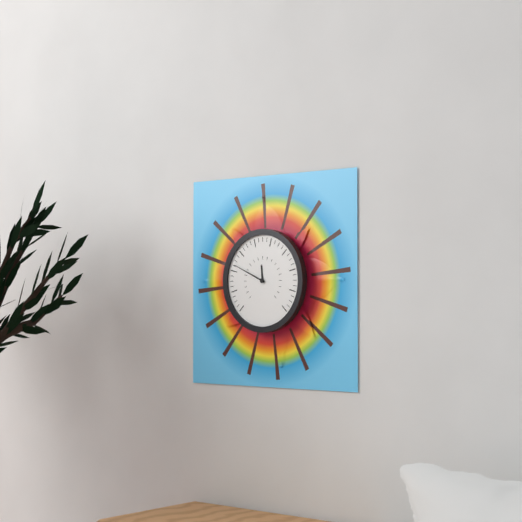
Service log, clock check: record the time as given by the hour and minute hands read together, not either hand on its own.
11:49
